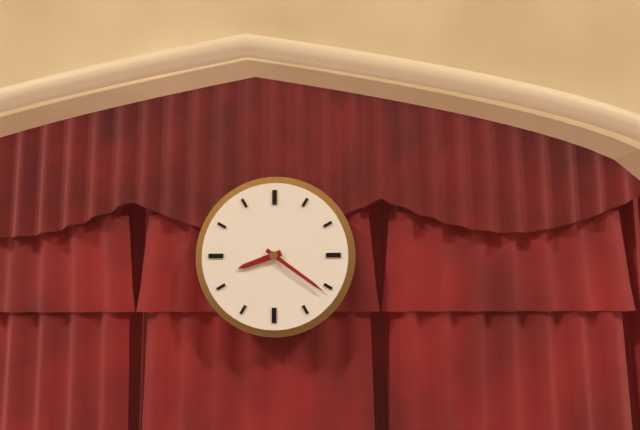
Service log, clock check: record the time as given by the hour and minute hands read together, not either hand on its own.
8:21
